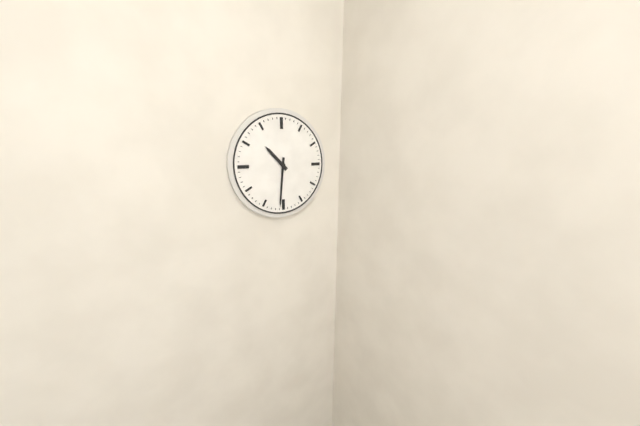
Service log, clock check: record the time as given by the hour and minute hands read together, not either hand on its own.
10:31
